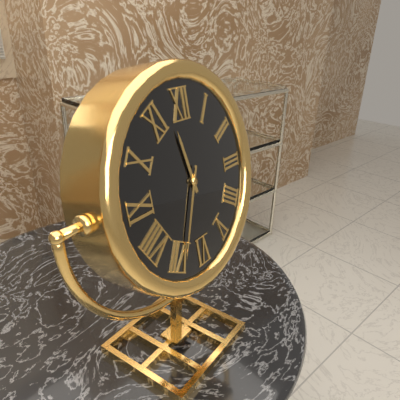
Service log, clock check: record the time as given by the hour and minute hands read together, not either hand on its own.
11:34
